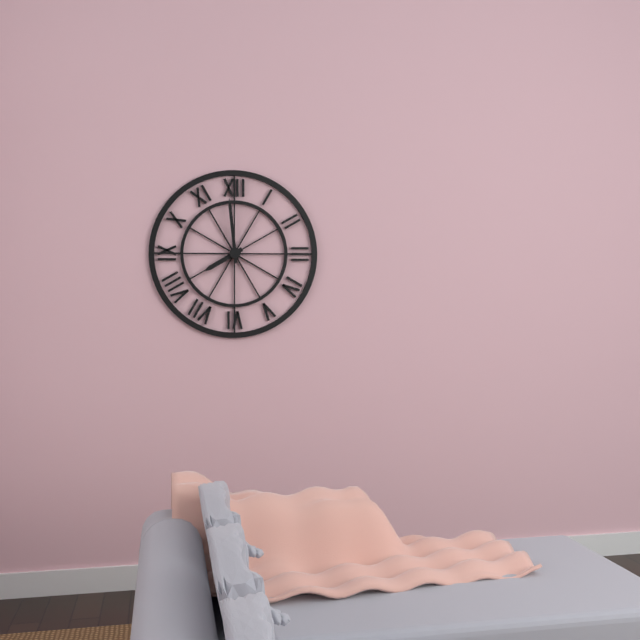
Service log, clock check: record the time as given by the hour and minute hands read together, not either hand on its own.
7:59
